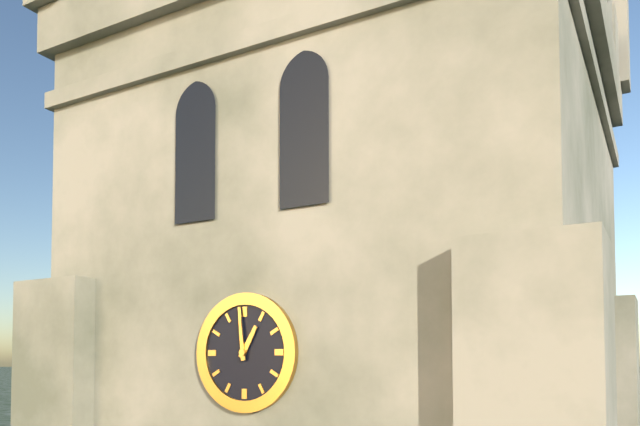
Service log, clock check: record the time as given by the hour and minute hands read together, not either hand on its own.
12:59
